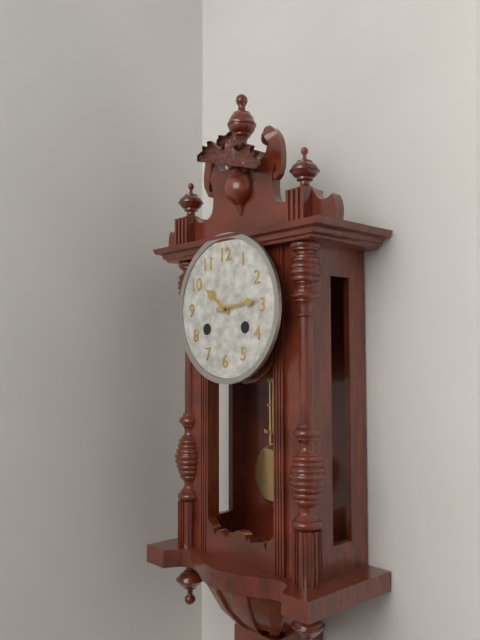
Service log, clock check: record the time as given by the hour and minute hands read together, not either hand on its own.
10:14
